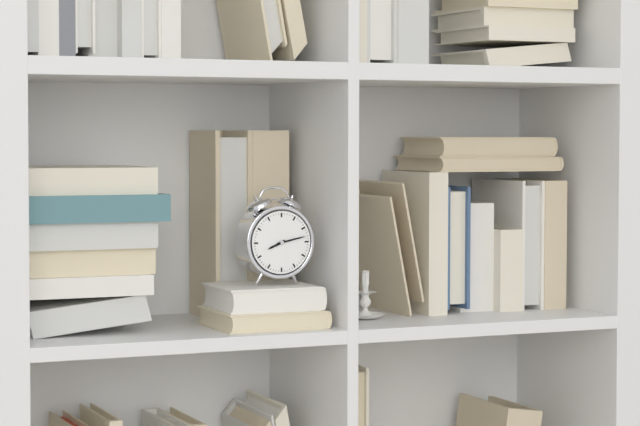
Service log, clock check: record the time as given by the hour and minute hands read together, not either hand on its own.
8:13
